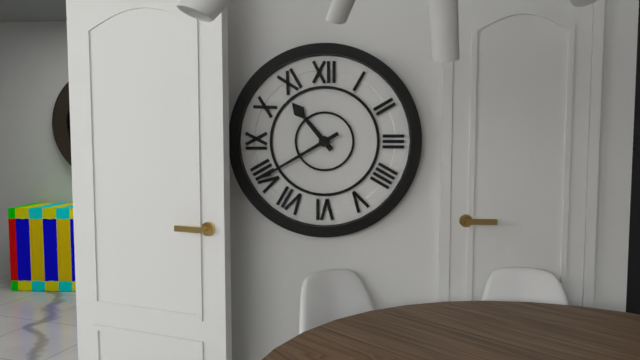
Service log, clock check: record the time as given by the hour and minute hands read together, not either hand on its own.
10:40
